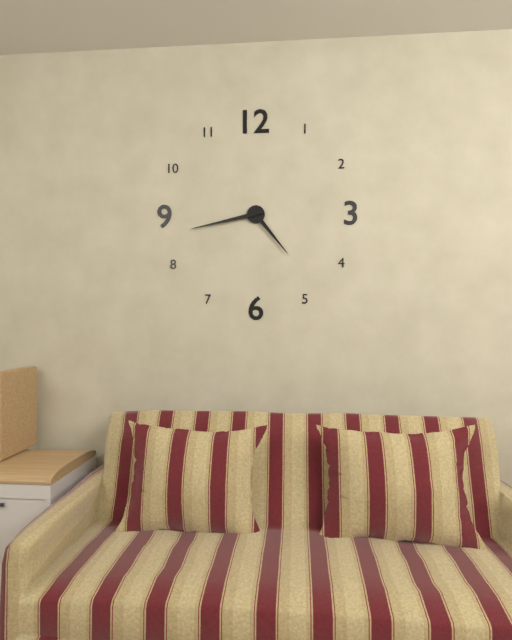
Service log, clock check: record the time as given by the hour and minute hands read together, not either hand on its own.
4:43
